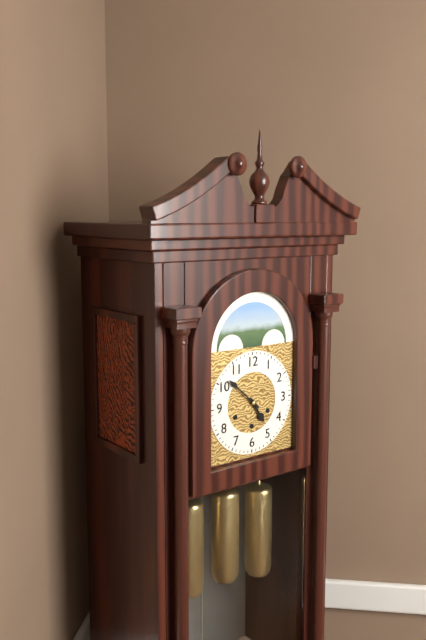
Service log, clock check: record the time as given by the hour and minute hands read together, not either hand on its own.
4:52
